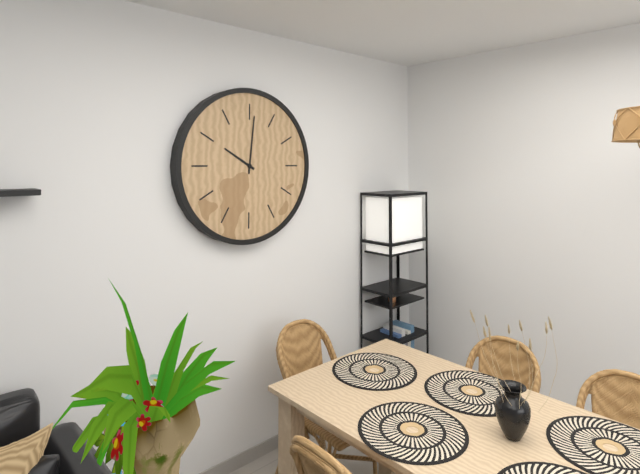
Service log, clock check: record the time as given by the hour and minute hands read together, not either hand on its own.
10:01
